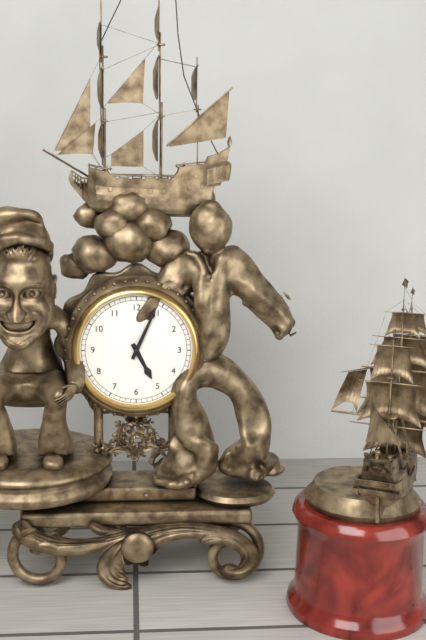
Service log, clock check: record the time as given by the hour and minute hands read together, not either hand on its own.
5:04
